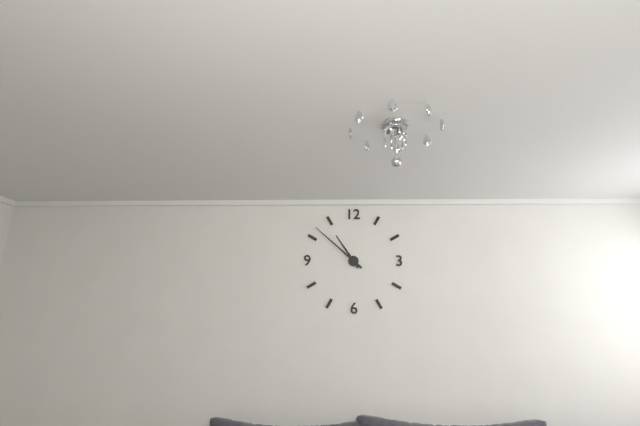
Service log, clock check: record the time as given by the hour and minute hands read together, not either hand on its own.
10:52
